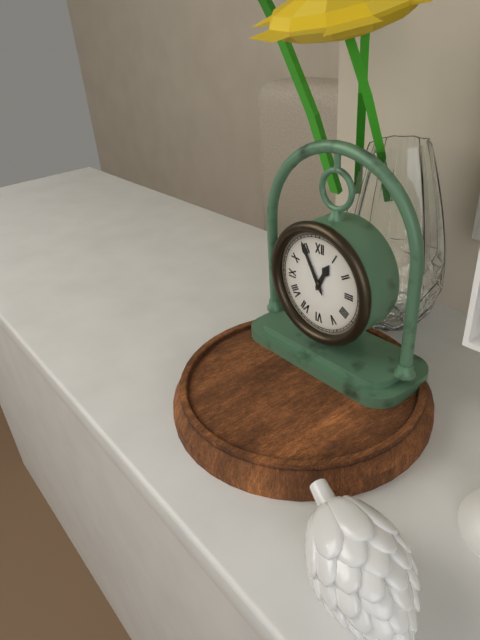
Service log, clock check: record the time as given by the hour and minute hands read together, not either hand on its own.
12:55
